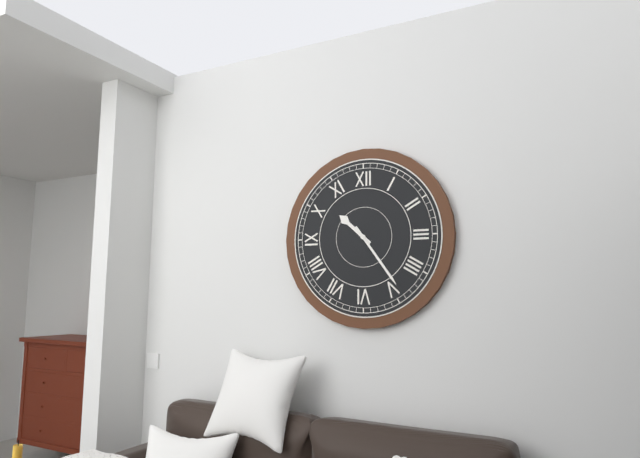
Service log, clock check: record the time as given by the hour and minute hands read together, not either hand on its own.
10:24
